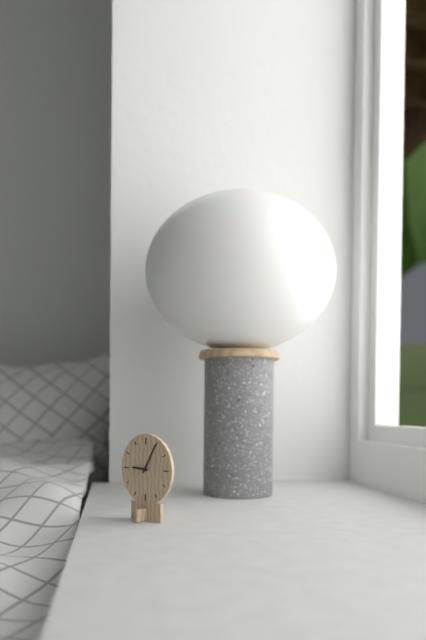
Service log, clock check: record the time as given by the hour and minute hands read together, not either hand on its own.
9:05
